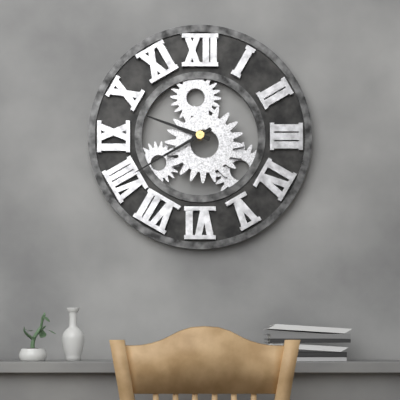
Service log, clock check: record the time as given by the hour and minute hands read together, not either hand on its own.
9:40
